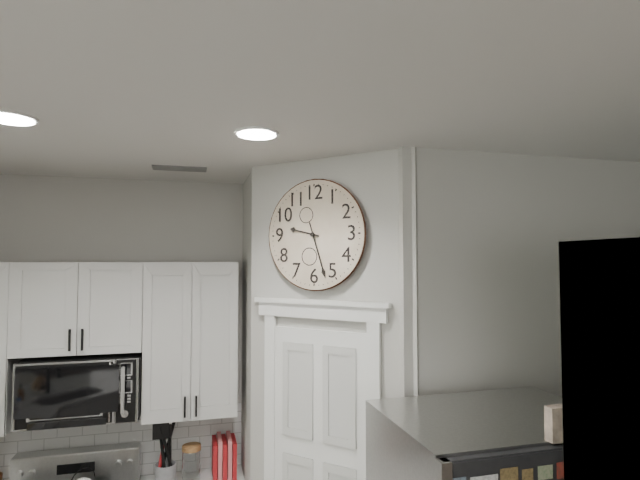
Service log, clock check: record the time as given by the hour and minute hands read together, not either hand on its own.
9:27
